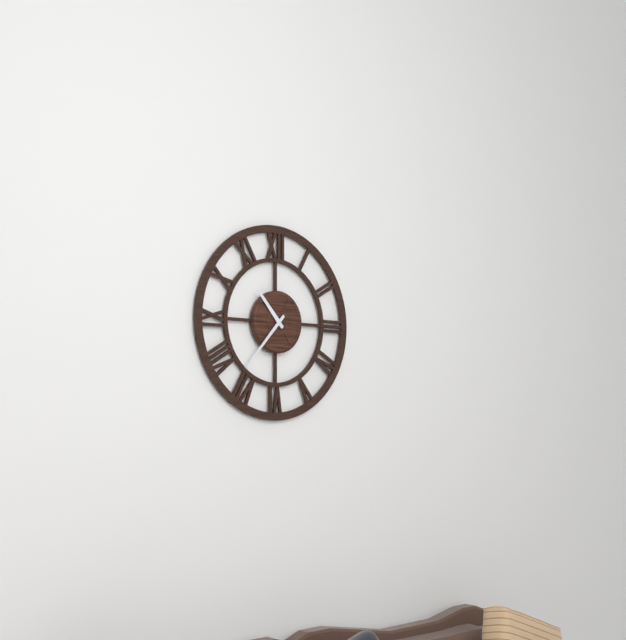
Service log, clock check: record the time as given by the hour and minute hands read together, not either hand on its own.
10:37
